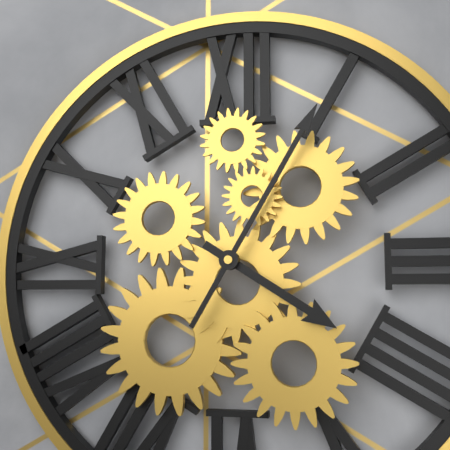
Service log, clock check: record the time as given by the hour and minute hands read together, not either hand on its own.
4:05
